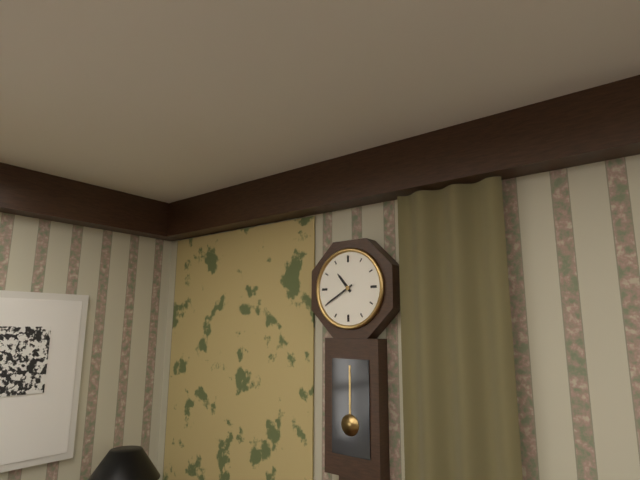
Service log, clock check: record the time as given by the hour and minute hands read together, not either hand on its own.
10:40
